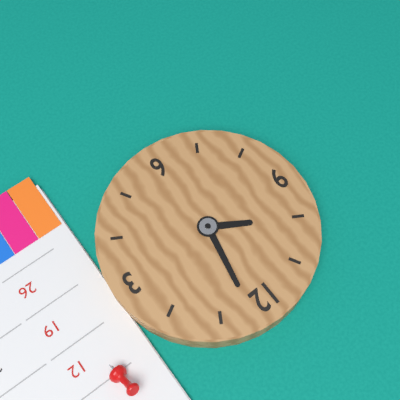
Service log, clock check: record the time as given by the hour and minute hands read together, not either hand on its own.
10:02
